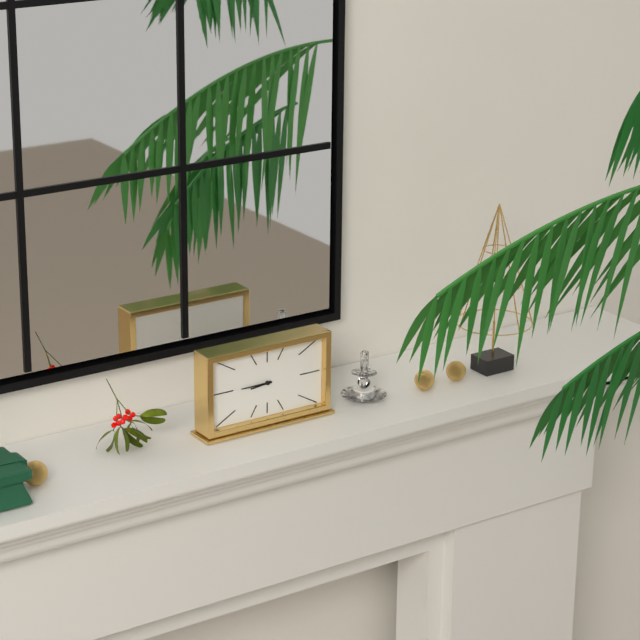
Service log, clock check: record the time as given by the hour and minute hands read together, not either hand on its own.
8:45
